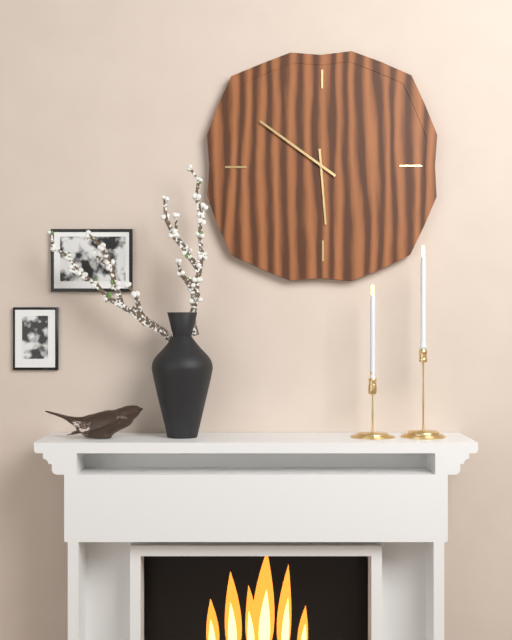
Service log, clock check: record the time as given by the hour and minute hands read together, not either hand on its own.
5:51
